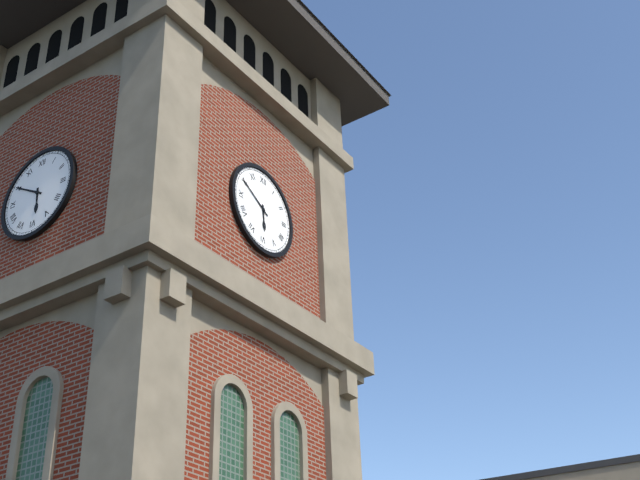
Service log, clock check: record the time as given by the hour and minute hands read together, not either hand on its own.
5:50
